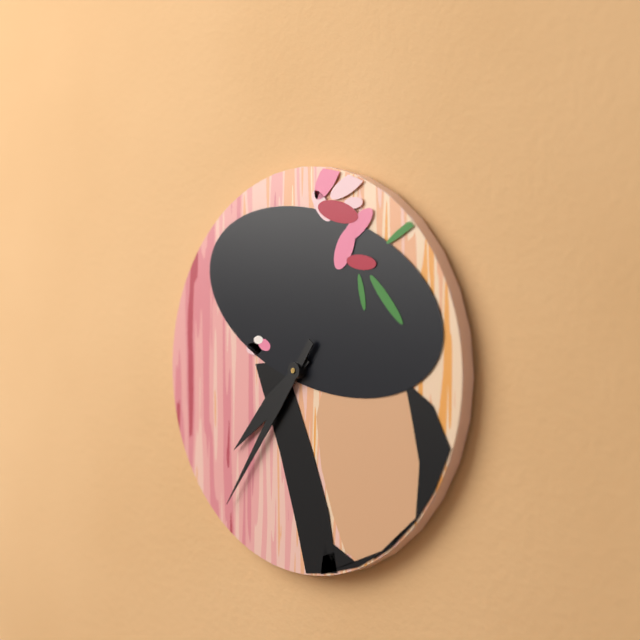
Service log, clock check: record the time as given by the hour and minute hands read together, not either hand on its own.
7:36
